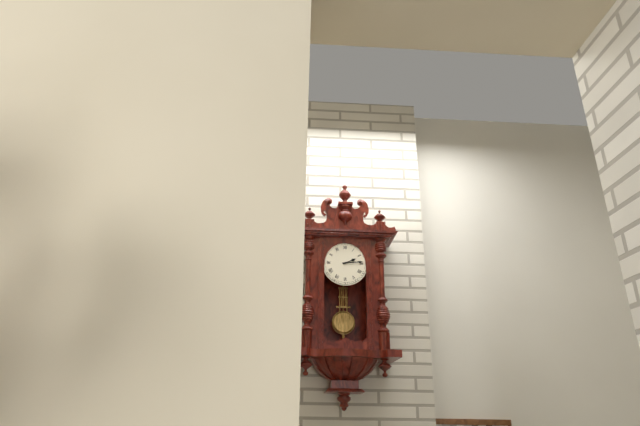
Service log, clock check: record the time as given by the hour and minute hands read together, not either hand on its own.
2:14
